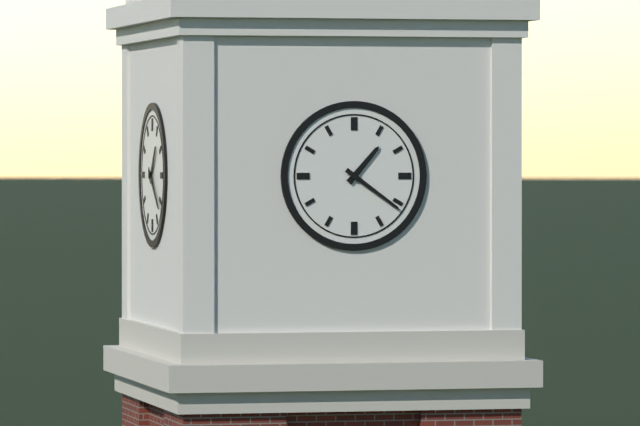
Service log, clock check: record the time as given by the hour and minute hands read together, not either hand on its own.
1:21
